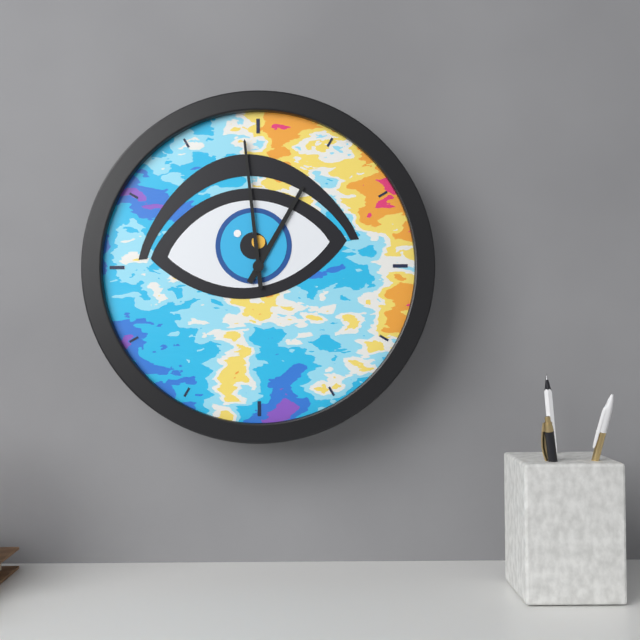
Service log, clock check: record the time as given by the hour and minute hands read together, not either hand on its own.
12:59
